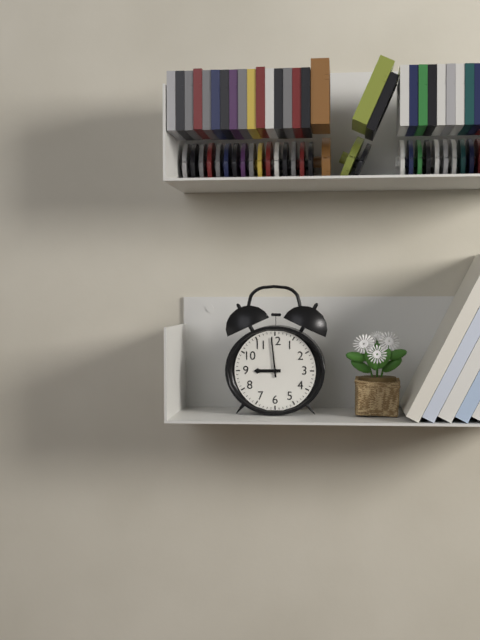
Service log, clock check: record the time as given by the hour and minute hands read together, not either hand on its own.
8:59
